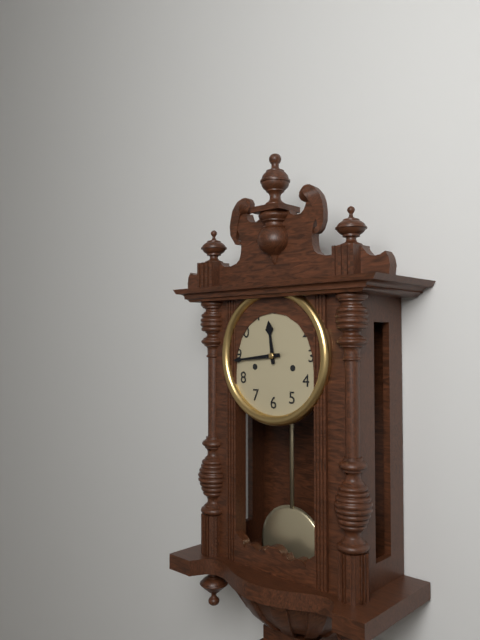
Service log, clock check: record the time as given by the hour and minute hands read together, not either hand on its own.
11:44
